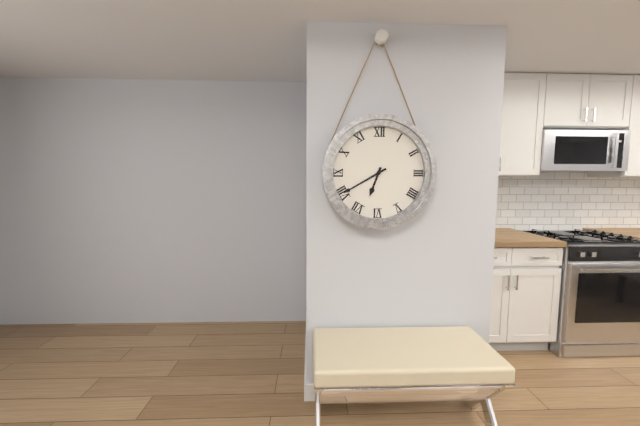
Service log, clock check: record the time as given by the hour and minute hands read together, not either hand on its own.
6:40
